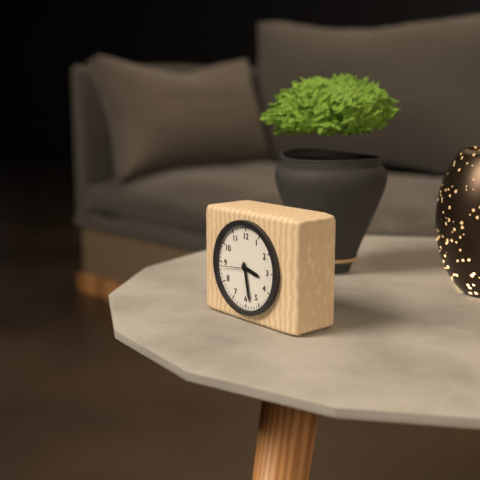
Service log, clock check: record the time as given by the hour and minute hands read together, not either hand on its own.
3:28
